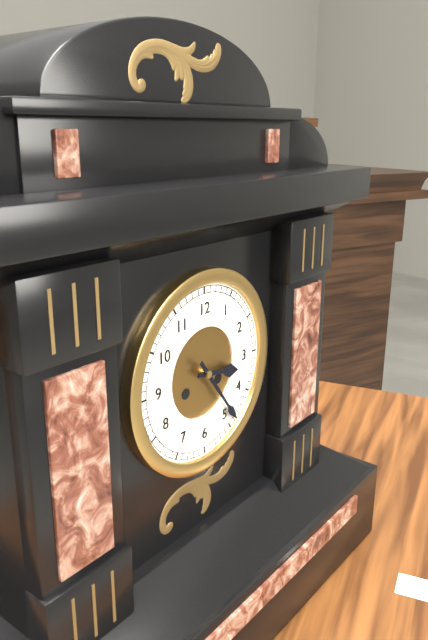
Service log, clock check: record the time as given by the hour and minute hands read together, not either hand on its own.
3:24
